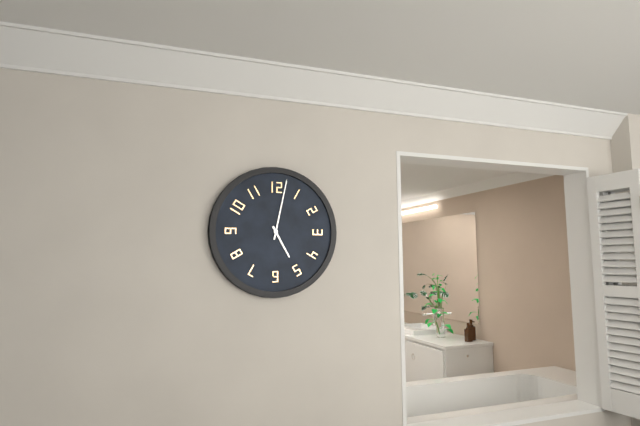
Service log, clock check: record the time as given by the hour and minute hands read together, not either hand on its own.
5:02
